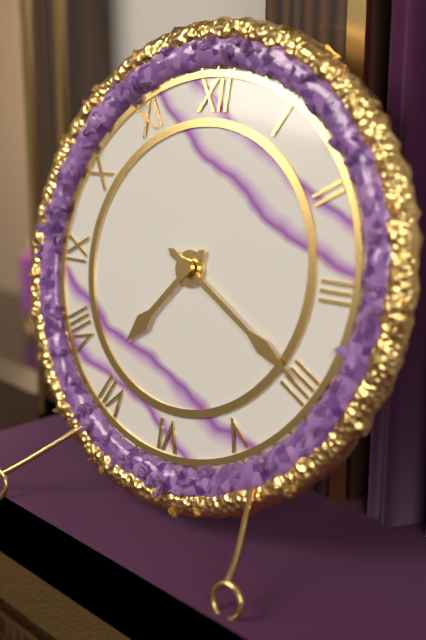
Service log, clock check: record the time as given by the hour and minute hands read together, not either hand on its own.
7:20
